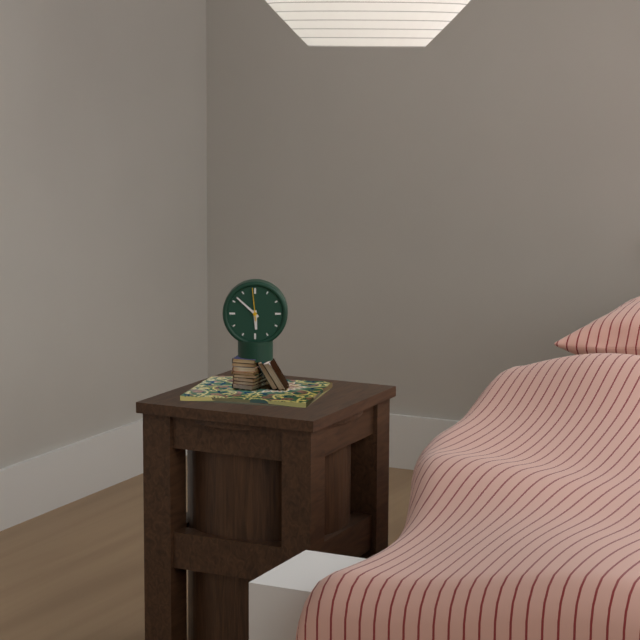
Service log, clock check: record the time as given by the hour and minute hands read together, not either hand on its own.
5:52
